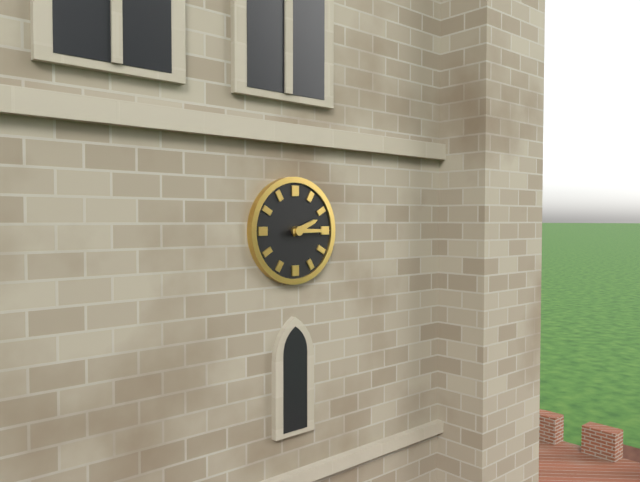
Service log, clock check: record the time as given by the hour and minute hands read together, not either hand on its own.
2:15
